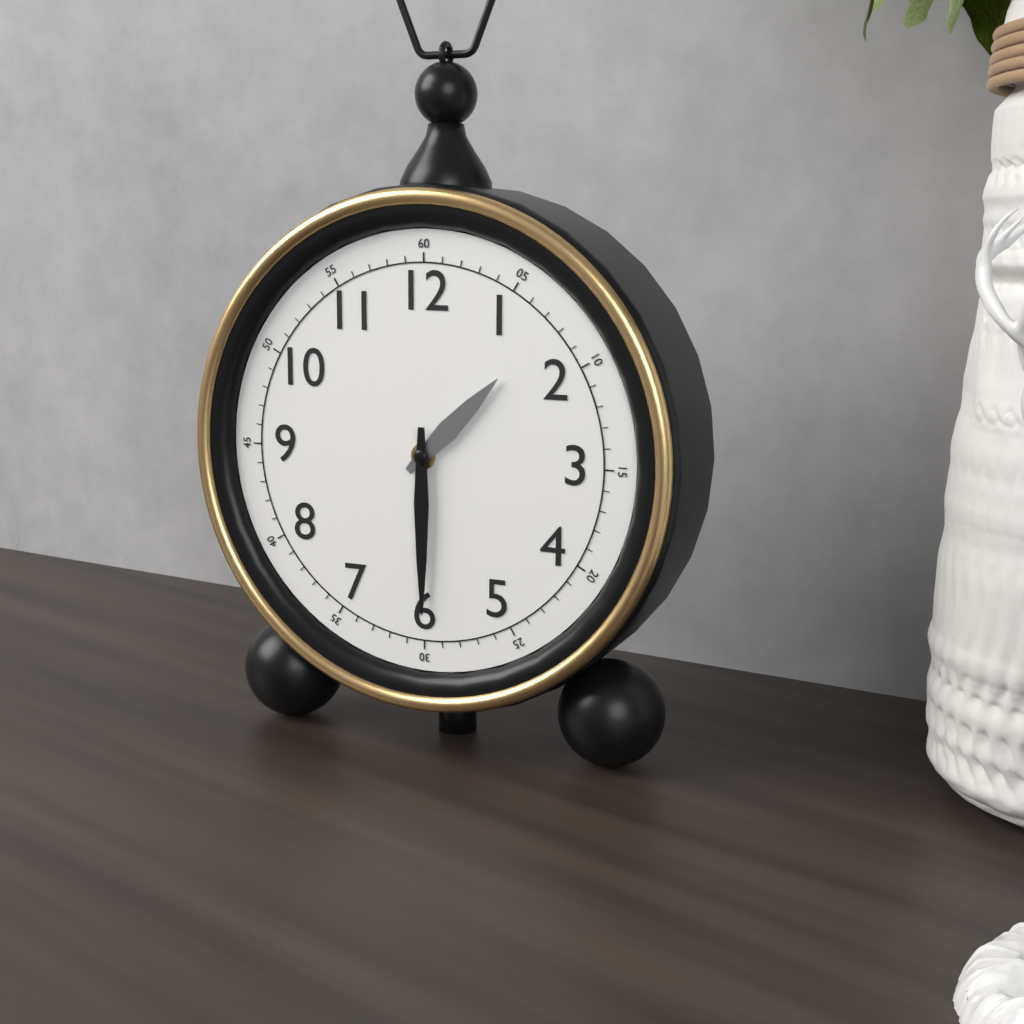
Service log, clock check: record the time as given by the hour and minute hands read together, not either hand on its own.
1:30
